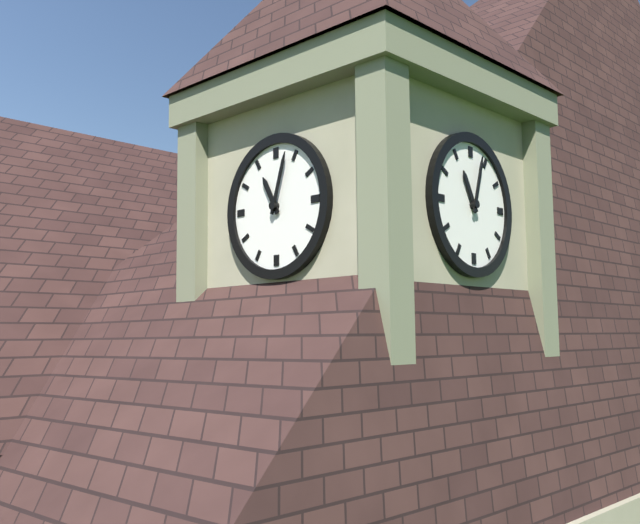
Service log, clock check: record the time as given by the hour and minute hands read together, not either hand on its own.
11:03
